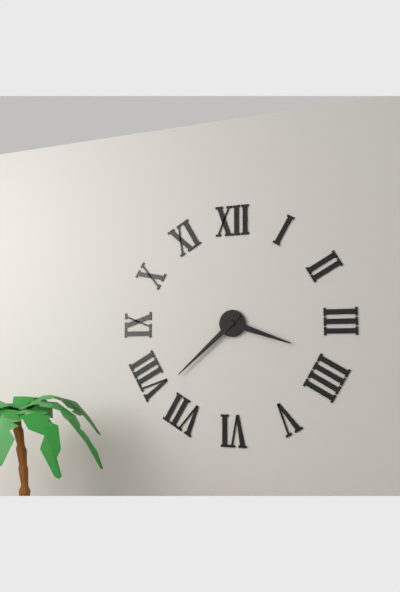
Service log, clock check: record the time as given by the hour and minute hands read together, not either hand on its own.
3:38
